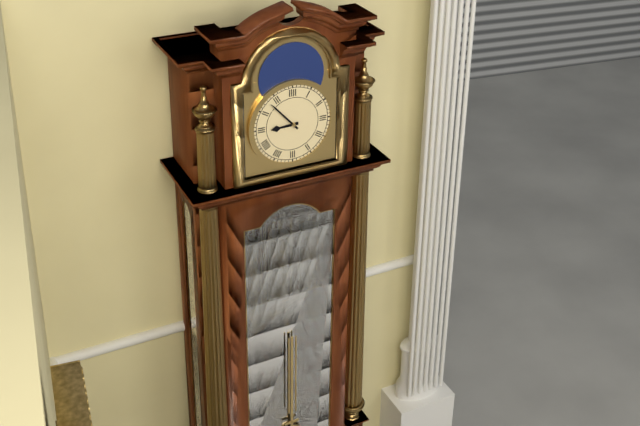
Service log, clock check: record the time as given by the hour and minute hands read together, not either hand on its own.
8:53
